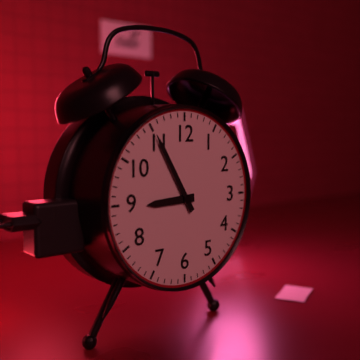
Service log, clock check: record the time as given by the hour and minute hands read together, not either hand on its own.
8:55
